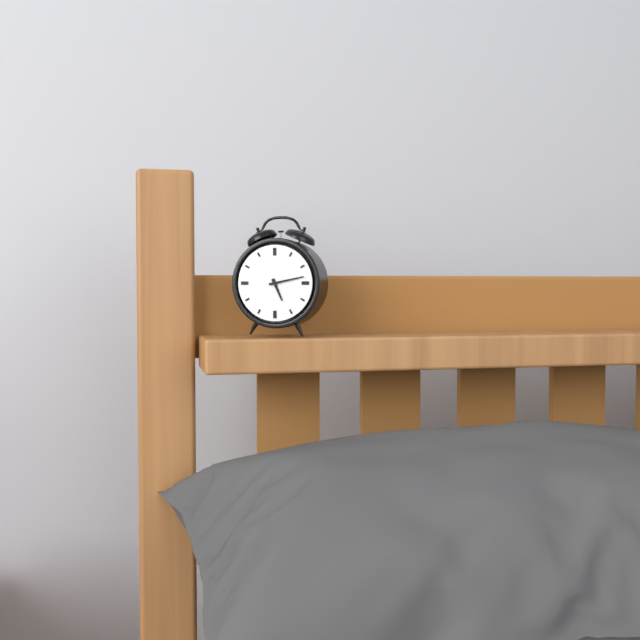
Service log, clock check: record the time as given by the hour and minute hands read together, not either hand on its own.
5:13
